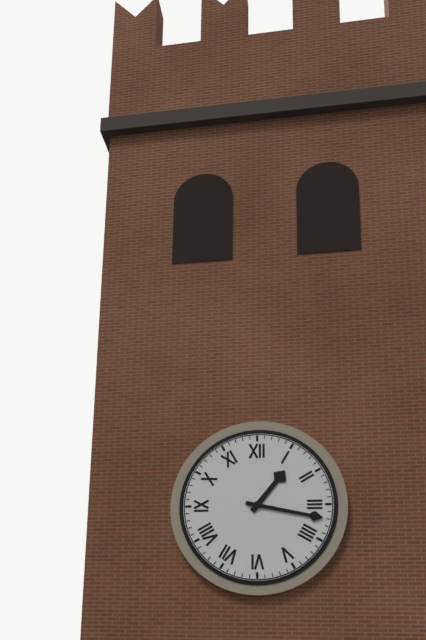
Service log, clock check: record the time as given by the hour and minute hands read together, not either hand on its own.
1:17
